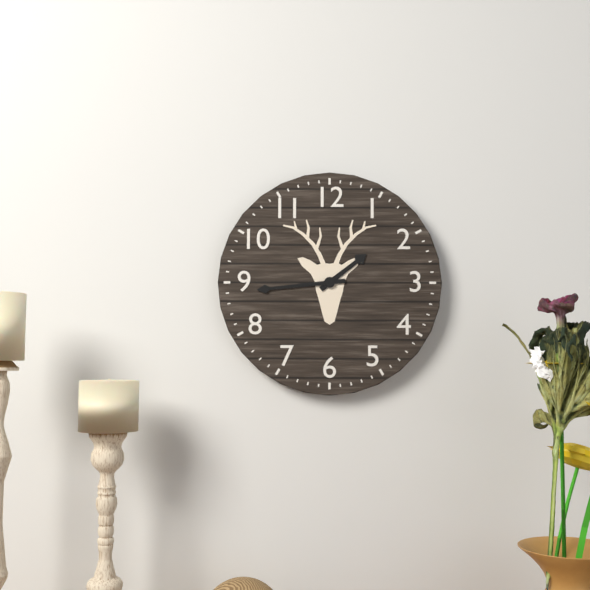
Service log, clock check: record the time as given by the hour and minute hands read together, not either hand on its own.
1:44
